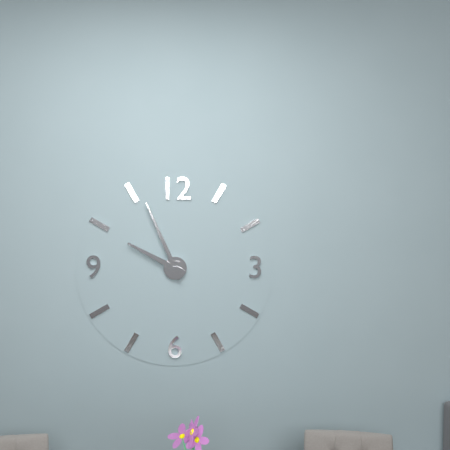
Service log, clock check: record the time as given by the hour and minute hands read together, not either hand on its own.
9:56
